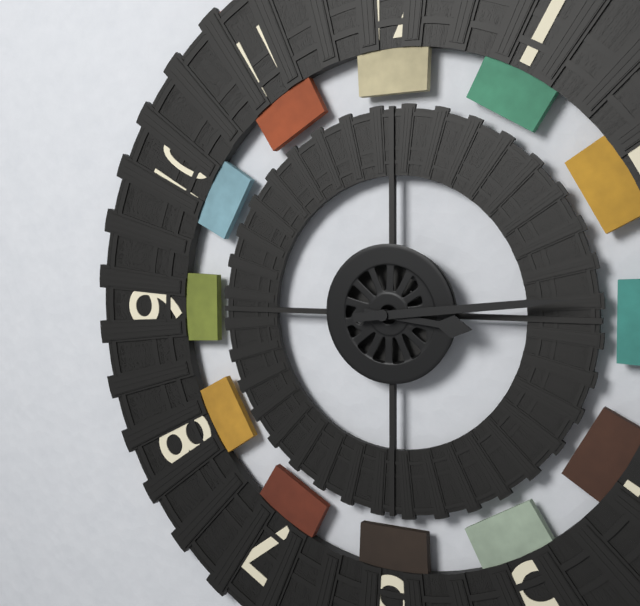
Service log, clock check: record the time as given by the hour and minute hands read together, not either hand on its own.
3:14
